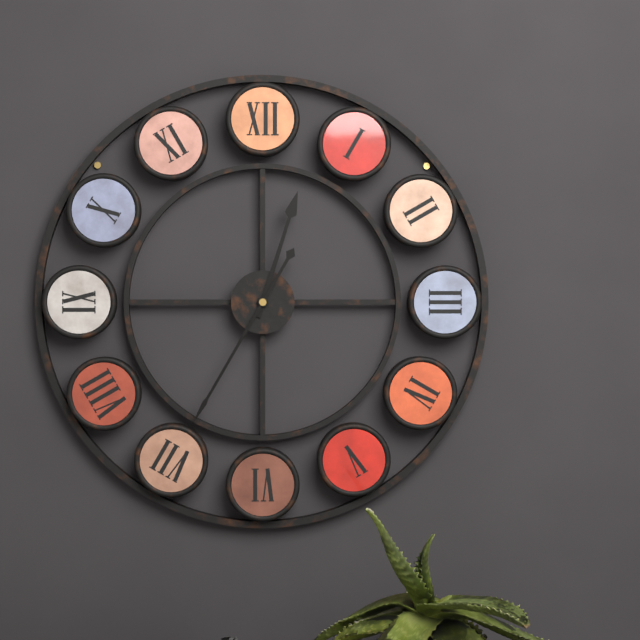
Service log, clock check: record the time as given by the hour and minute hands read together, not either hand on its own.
12:35
